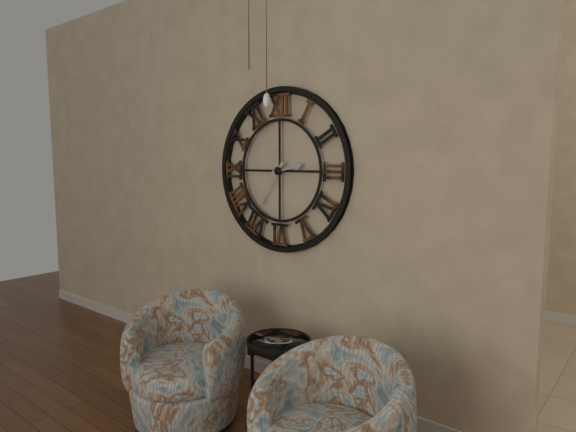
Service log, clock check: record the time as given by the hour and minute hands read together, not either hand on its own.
2:36
